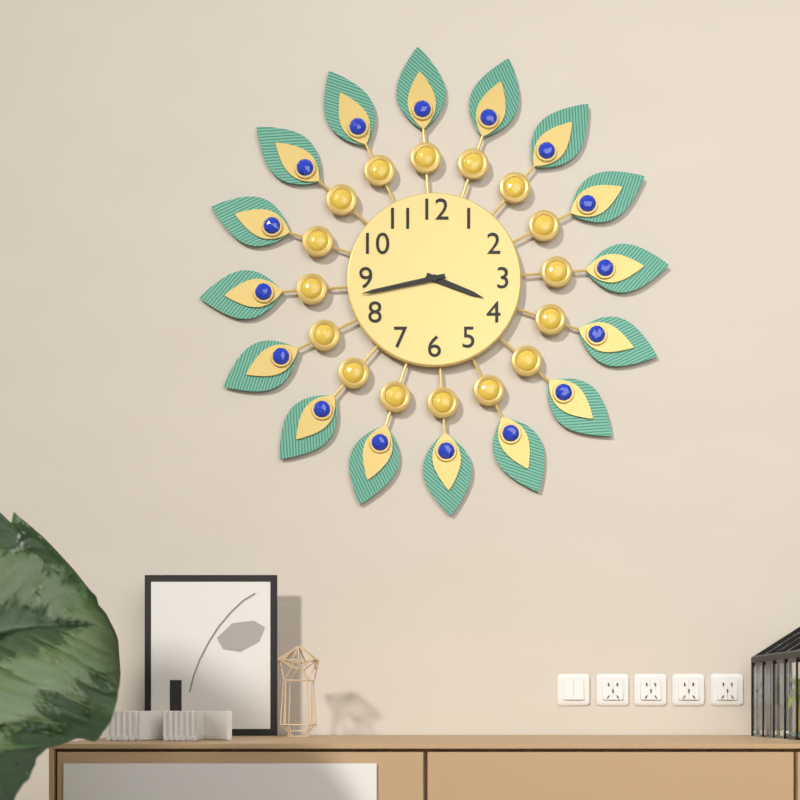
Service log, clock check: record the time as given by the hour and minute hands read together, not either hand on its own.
3:43
